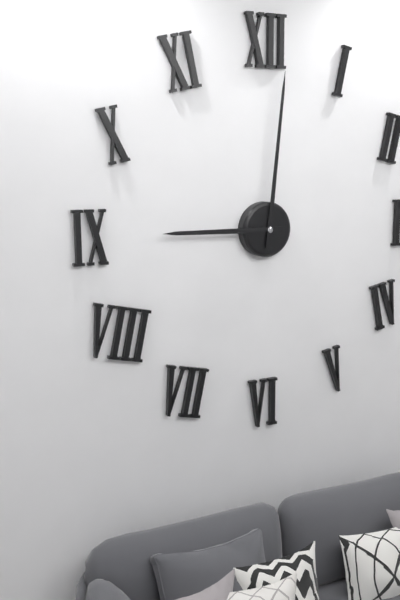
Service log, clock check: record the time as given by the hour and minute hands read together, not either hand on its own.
9:01
